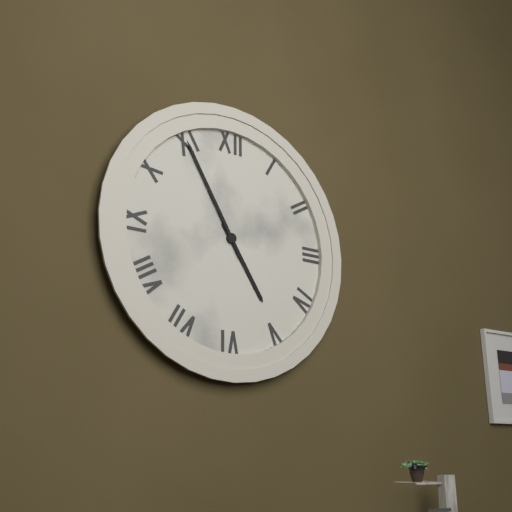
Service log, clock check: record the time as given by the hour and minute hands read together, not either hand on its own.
4:55
